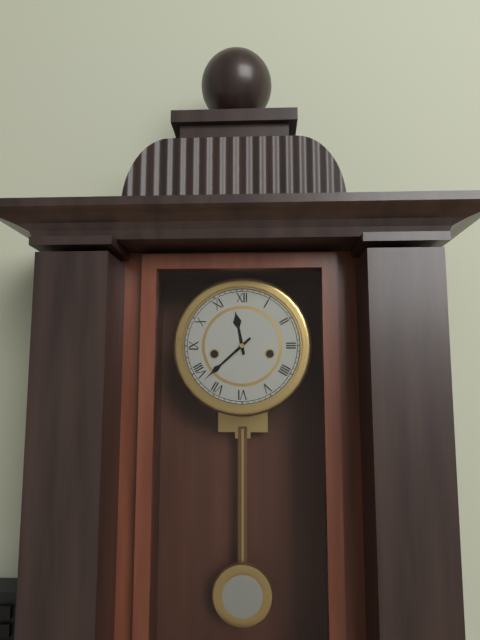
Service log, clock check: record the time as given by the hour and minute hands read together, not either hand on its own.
11:38
